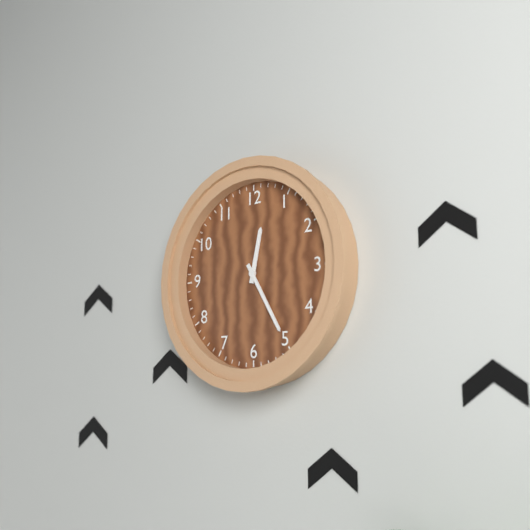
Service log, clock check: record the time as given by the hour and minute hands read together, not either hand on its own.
12:25
